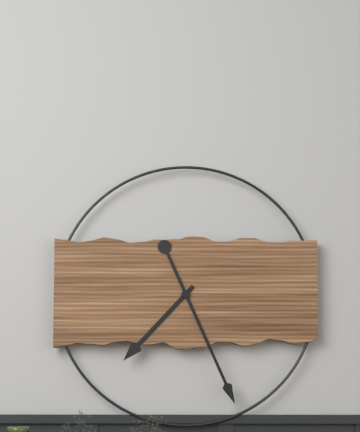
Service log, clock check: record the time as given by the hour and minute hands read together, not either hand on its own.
7:26
